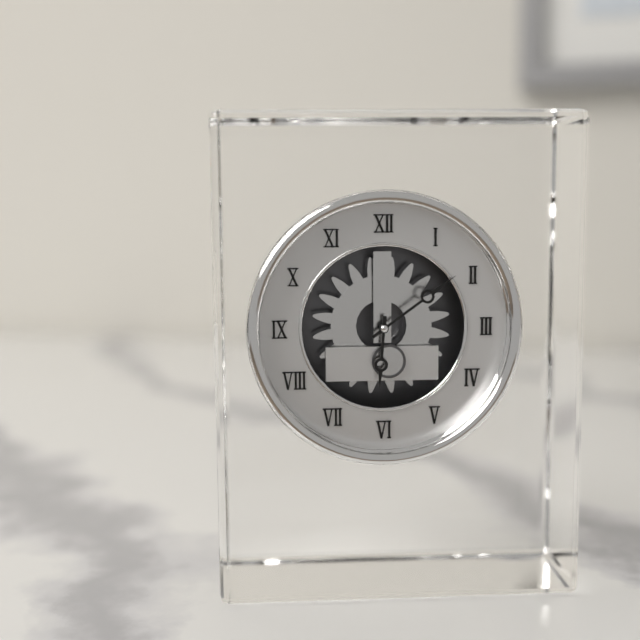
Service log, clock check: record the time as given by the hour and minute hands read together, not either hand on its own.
6:09
